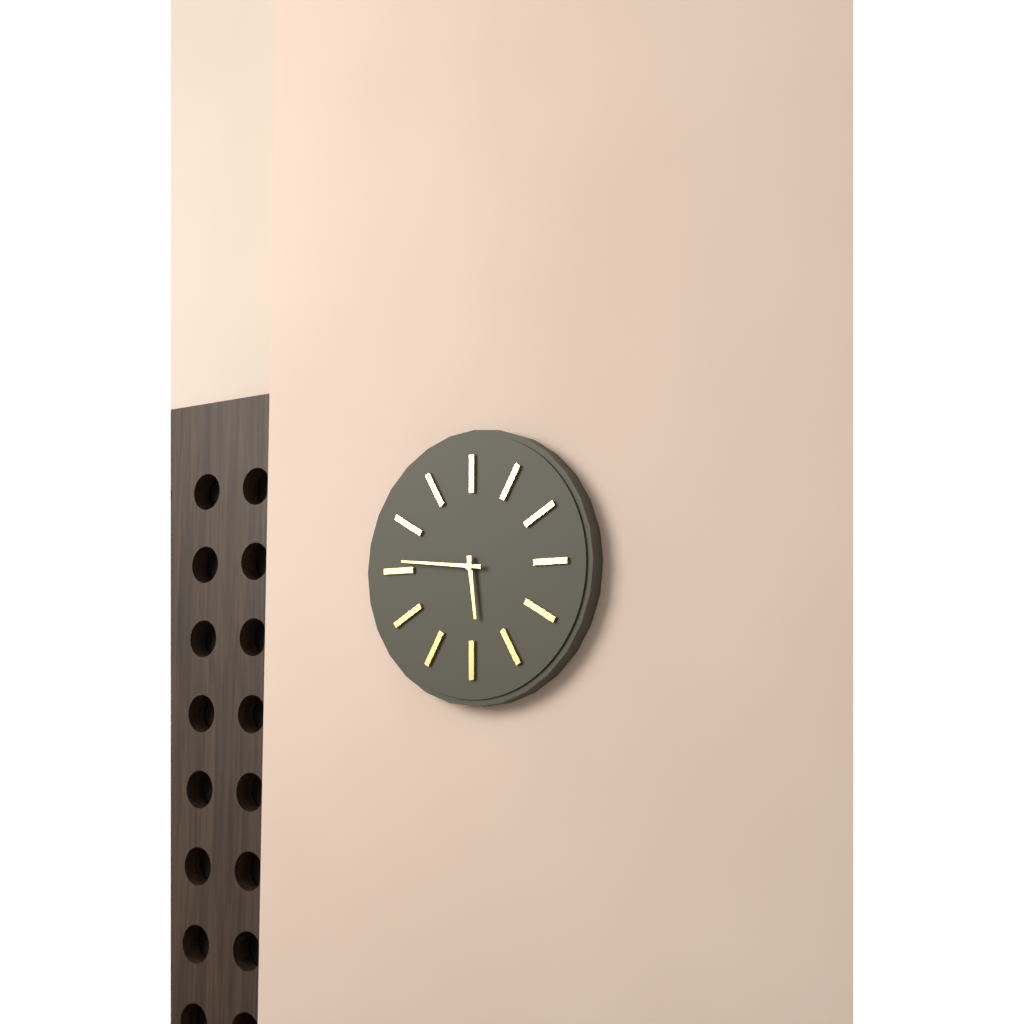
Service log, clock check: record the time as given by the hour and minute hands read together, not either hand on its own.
5:46
